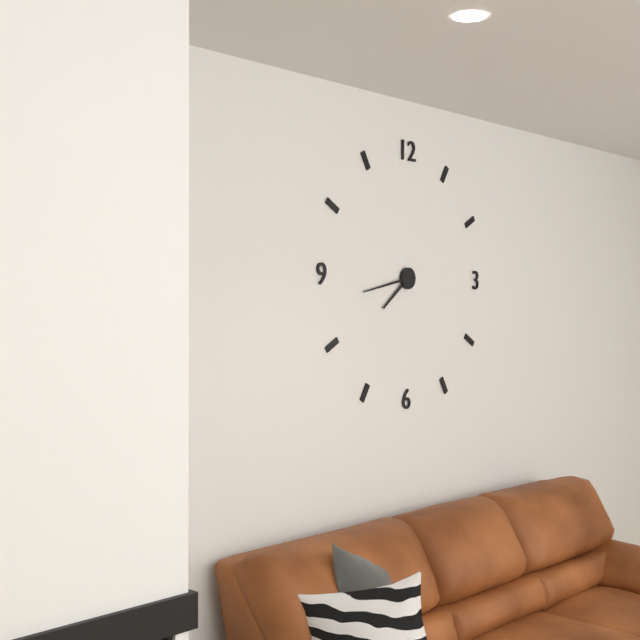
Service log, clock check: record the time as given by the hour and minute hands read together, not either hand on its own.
7:43
